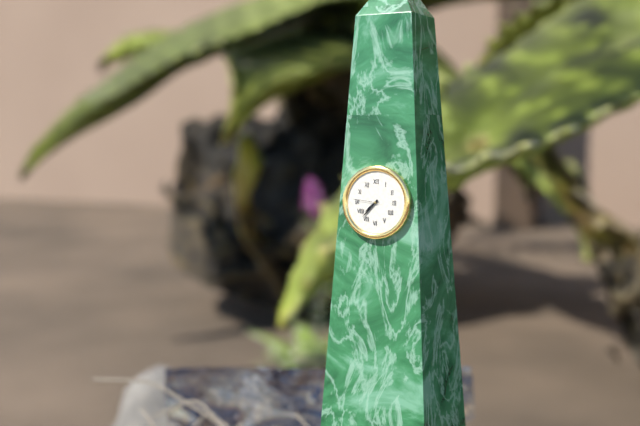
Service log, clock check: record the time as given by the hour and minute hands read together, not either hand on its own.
7:37
